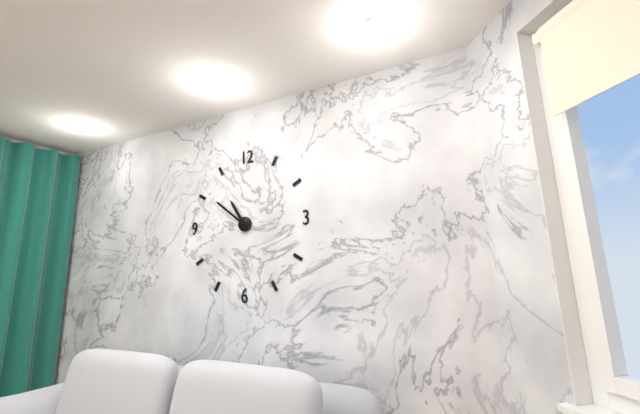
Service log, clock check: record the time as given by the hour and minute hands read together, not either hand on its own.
10:51
